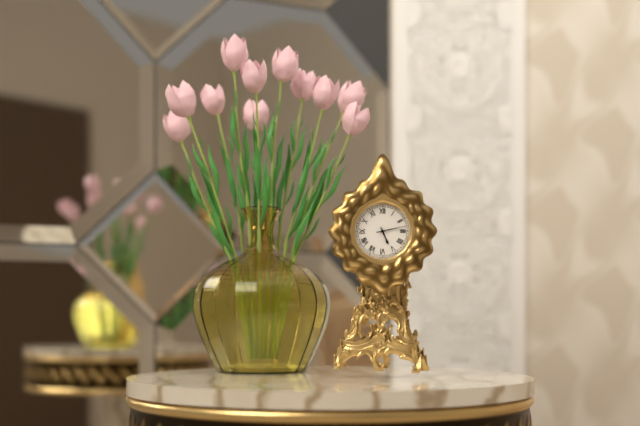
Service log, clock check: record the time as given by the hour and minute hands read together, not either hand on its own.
5:13
